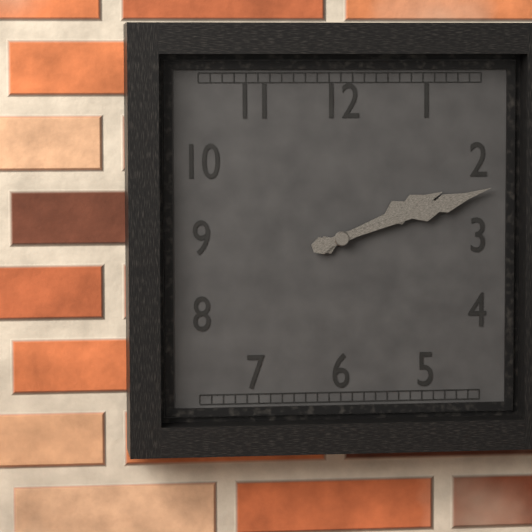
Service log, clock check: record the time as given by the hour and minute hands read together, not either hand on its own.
2:12
